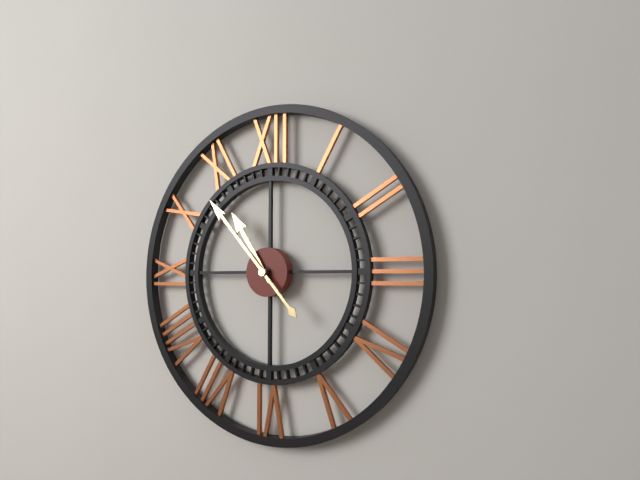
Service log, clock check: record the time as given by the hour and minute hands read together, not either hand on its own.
10:53
